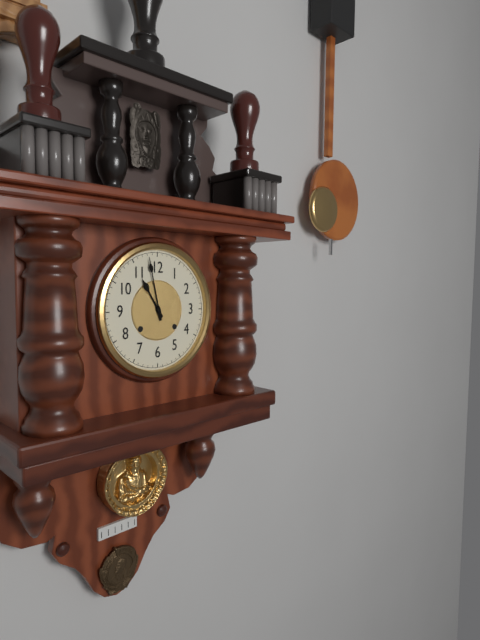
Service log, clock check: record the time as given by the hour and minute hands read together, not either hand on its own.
10:58
